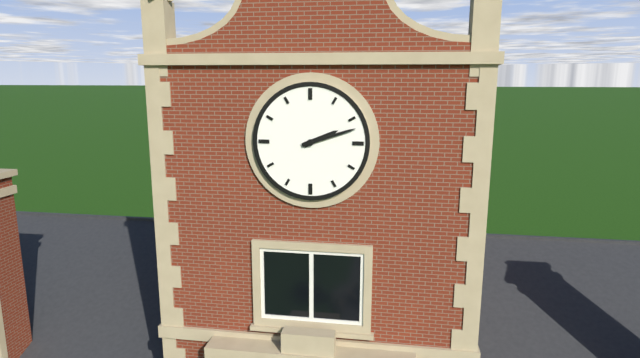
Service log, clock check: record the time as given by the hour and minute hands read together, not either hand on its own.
2:12
